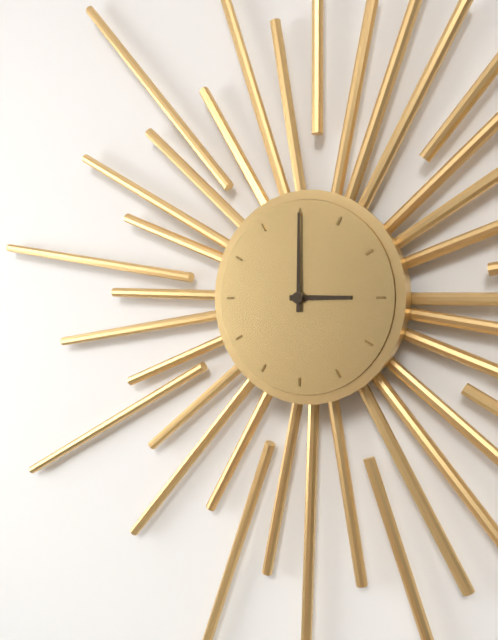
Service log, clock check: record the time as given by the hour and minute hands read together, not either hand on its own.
3:00
